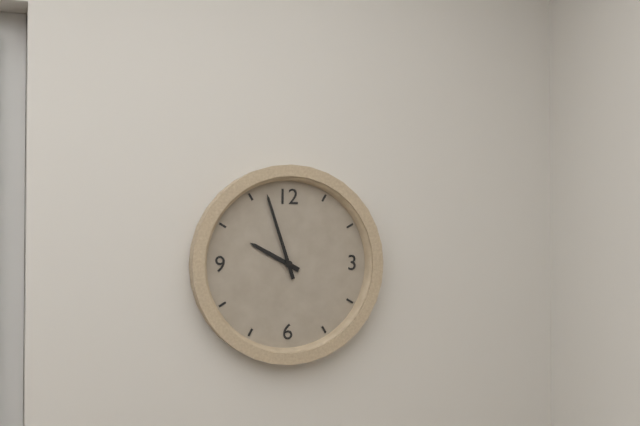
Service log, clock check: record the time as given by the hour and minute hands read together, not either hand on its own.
9:57
